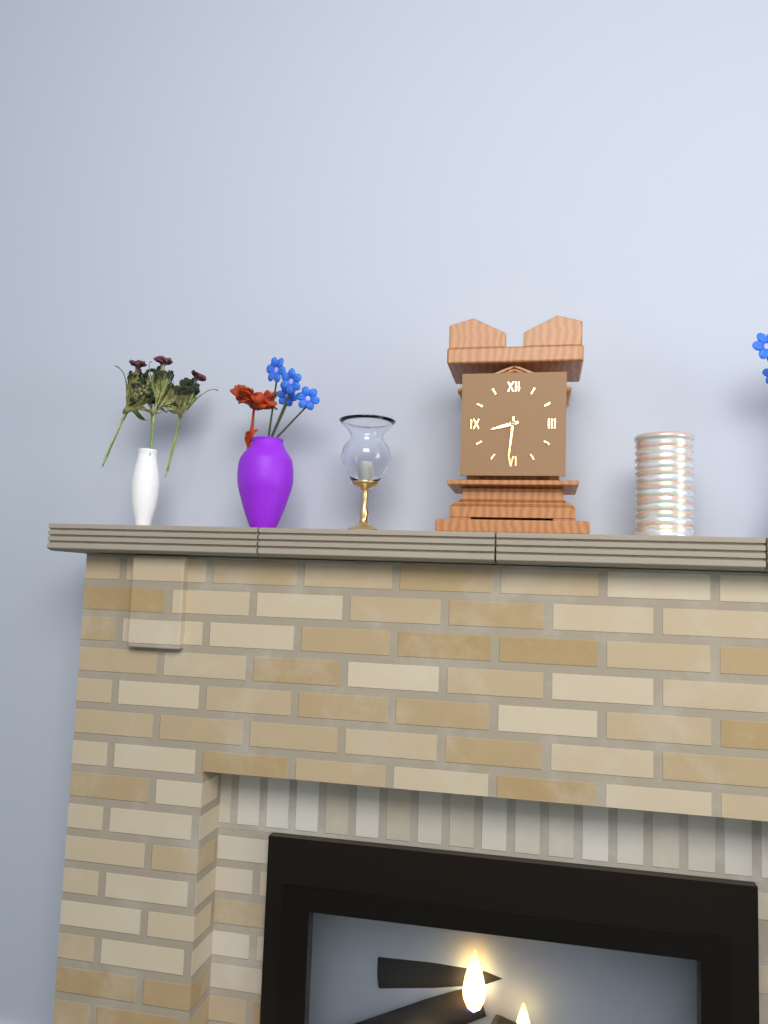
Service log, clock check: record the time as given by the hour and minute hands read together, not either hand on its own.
8:31
